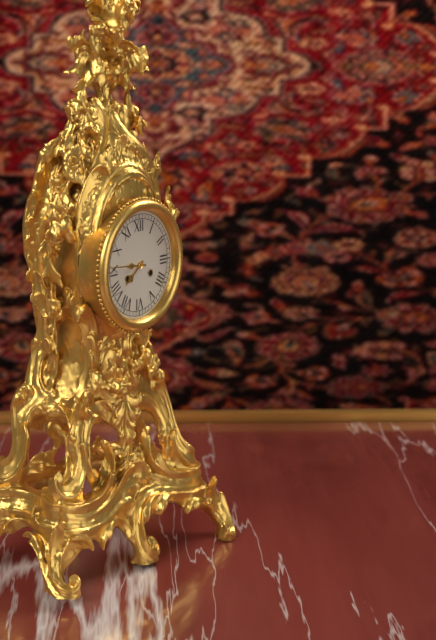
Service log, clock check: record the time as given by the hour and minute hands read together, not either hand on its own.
7:46
